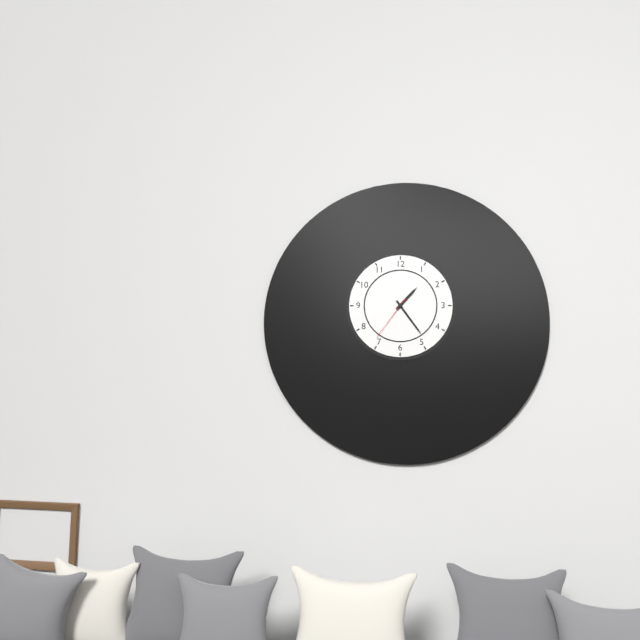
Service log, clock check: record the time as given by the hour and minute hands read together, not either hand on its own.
1:24
